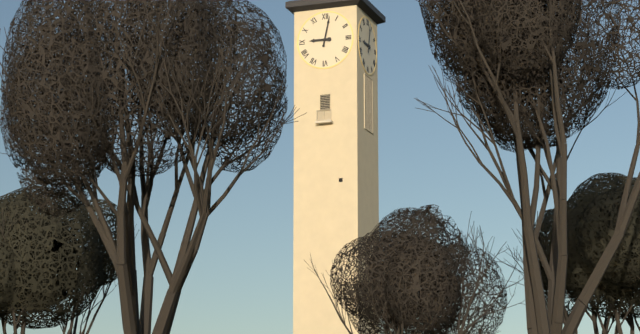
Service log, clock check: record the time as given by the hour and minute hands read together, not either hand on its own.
9:02
